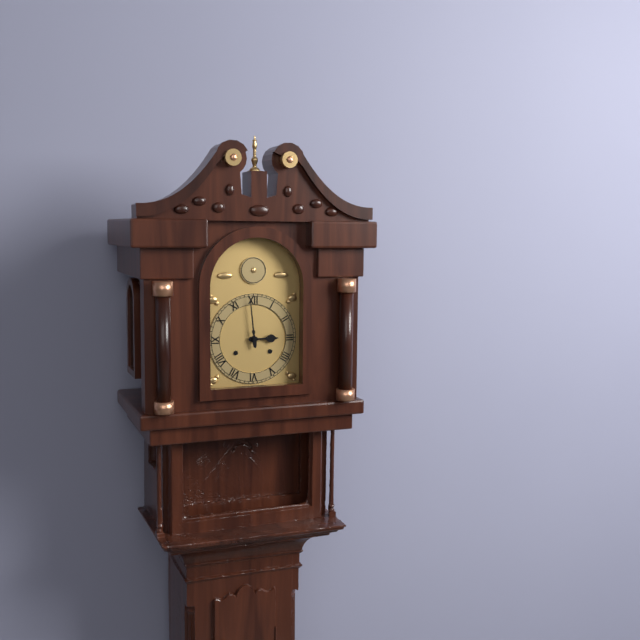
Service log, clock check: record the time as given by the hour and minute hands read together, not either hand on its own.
2:59
